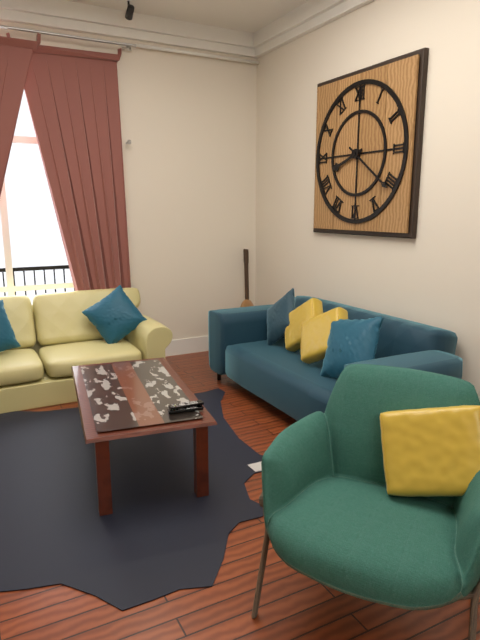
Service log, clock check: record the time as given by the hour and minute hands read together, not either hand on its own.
8:21
